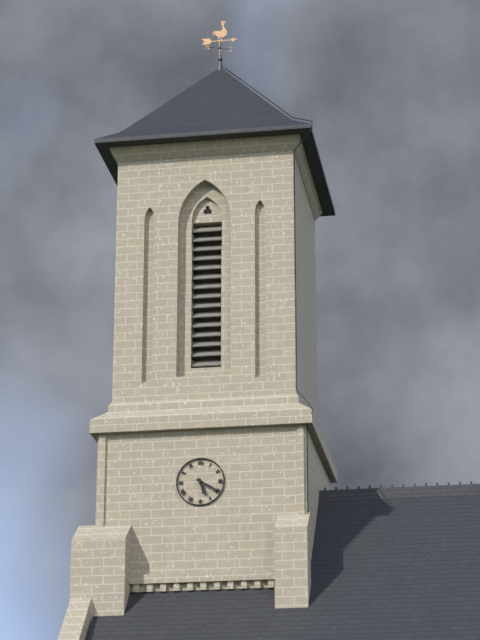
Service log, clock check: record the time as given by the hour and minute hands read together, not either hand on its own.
5:20
